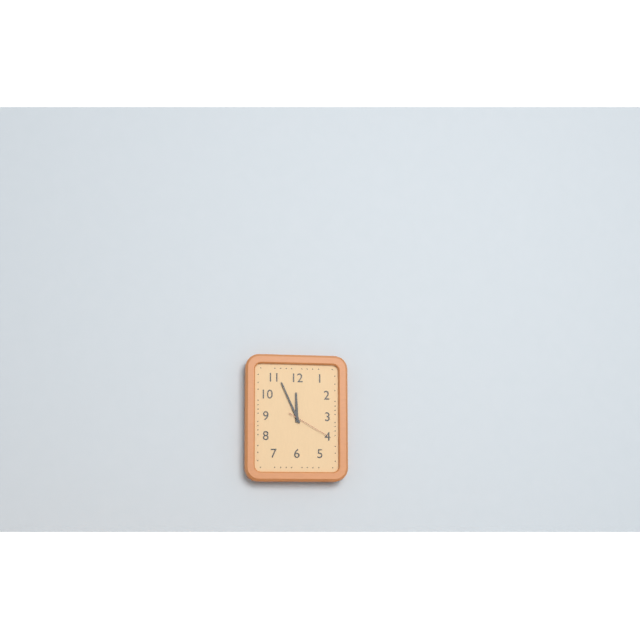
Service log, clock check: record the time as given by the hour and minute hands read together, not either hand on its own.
11:56
